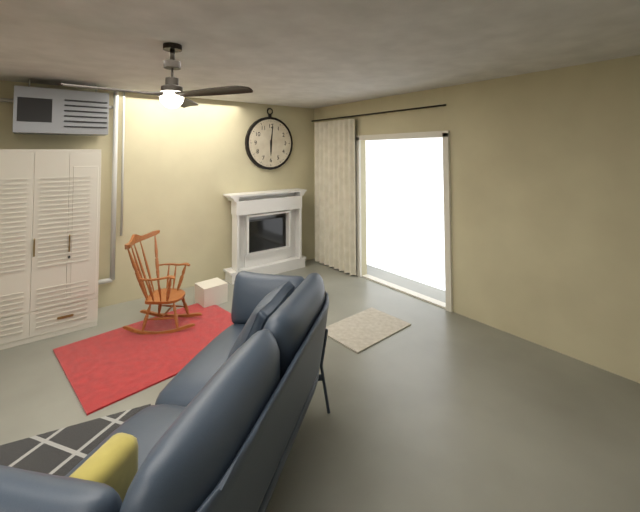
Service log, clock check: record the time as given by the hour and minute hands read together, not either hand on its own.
6:01
